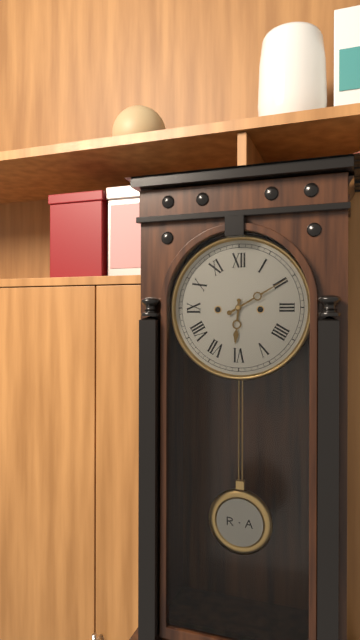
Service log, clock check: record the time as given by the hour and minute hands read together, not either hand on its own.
6:10
